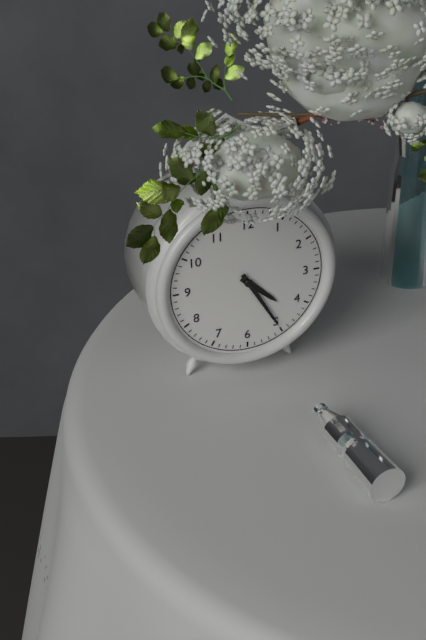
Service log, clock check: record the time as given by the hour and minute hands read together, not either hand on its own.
4:25
